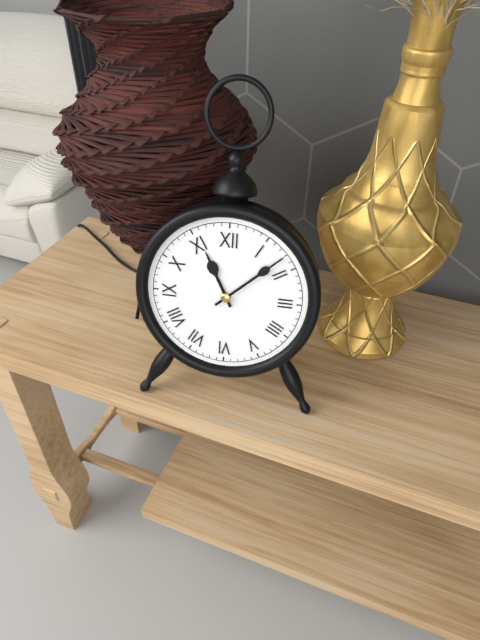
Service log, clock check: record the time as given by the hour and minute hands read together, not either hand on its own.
11:08
